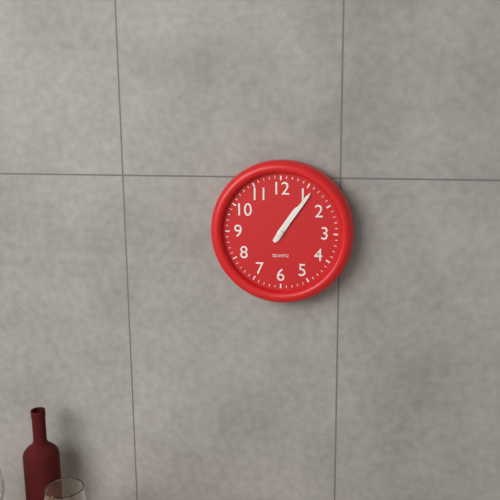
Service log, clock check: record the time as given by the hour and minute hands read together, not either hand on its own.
1:06
